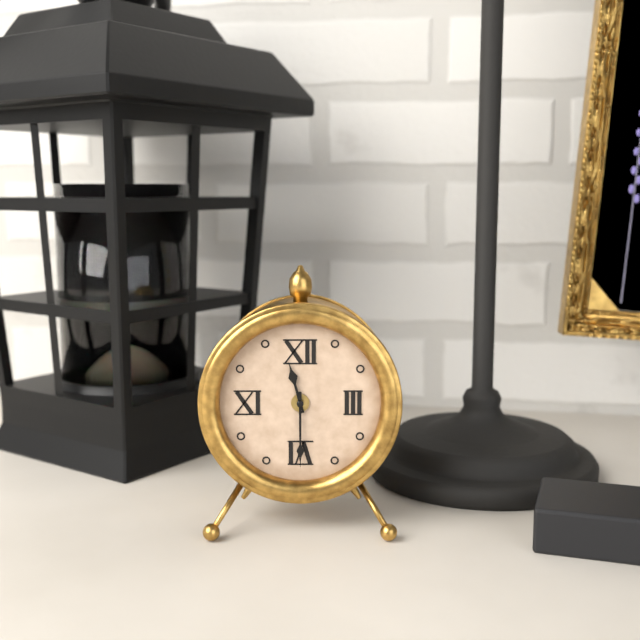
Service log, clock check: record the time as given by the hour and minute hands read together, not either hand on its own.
11:30
